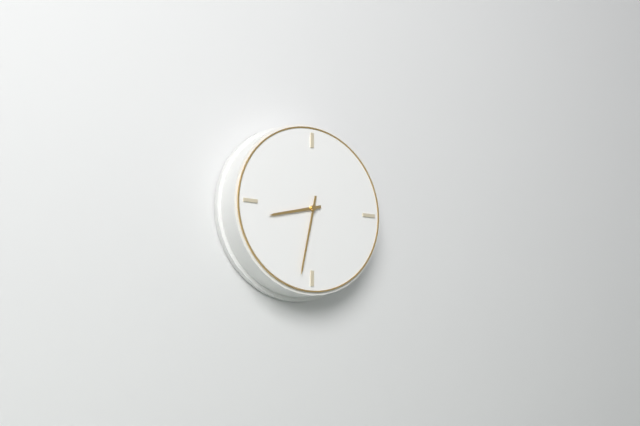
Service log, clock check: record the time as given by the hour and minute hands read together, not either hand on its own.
8:32
